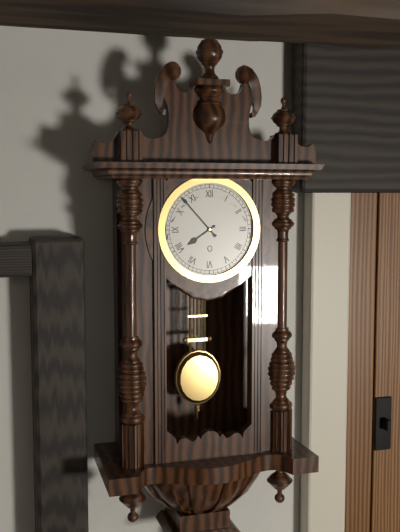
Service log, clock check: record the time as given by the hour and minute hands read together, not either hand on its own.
7:53
